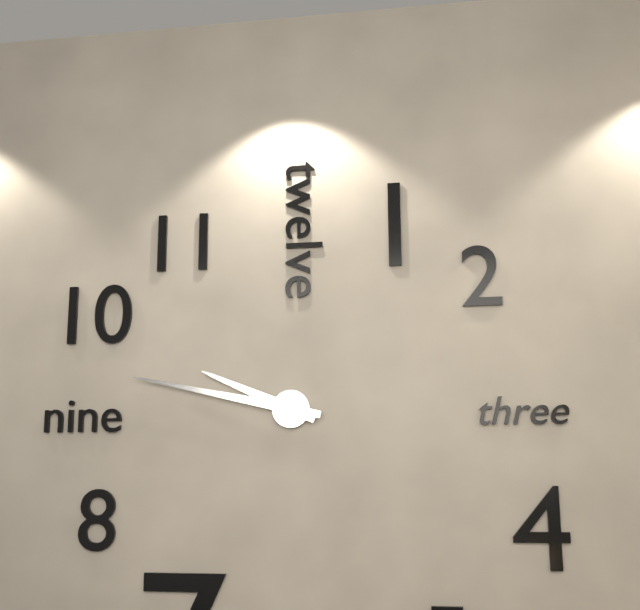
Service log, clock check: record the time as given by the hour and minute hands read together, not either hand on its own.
9:47
